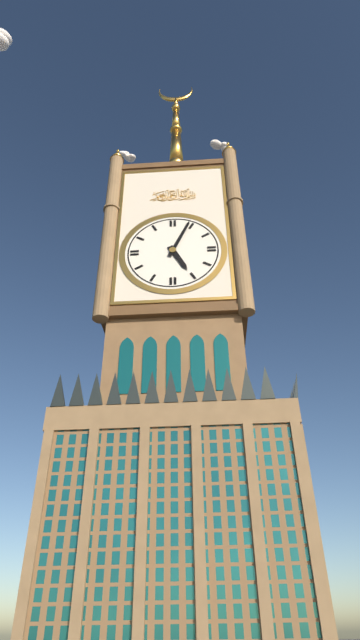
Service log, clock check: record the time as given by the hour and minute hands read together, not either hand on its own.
5:04
